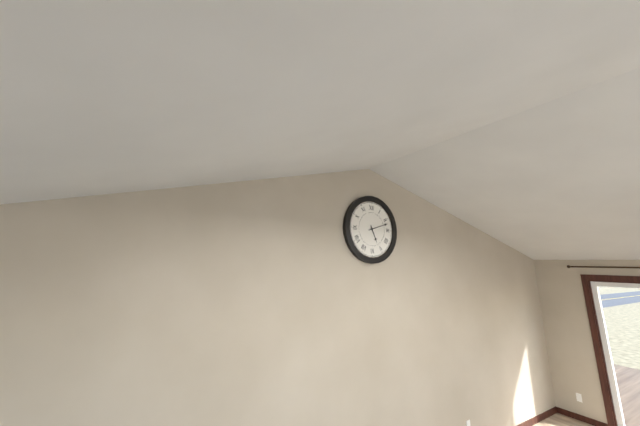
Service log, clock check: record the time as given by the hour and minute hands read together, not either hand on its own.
5:12
